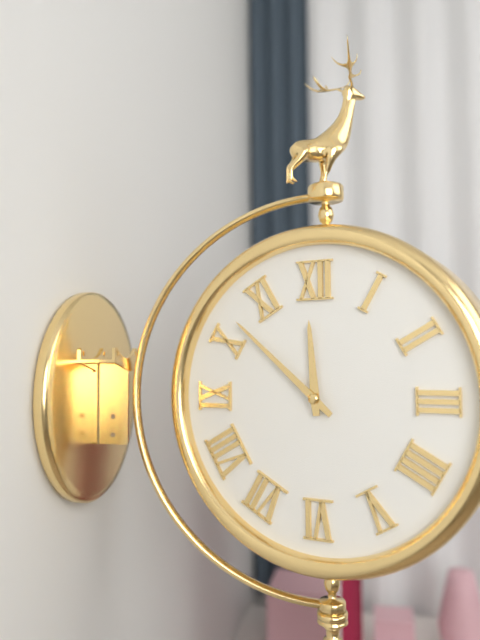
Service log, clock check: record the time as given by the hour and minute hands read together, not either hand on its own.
11:52
